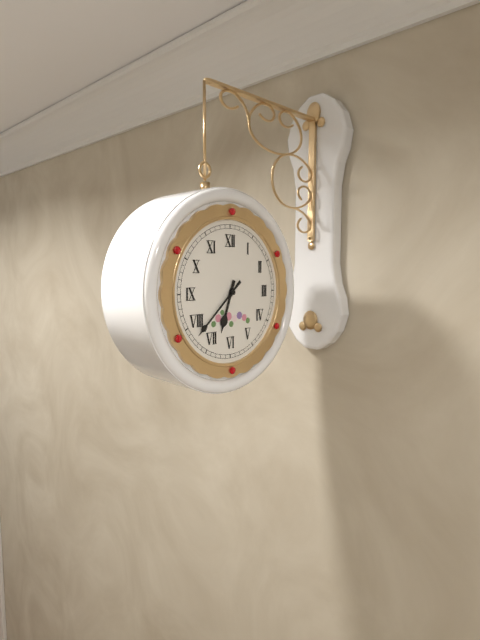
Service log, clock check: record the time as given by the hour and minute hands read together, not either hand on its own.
6:38
